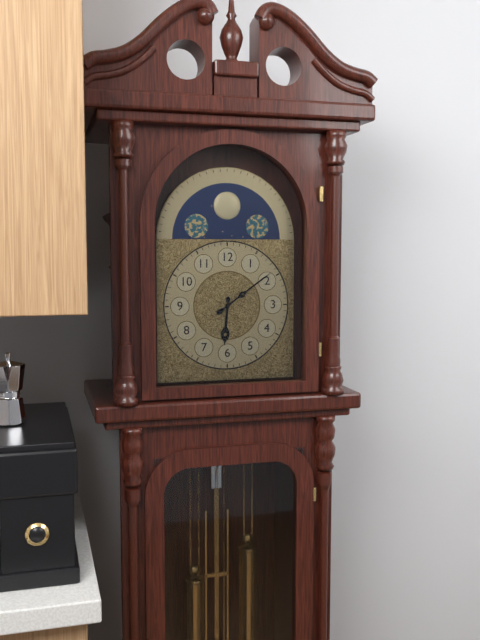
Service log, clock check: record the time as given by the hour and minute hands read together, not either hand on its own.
6:09
